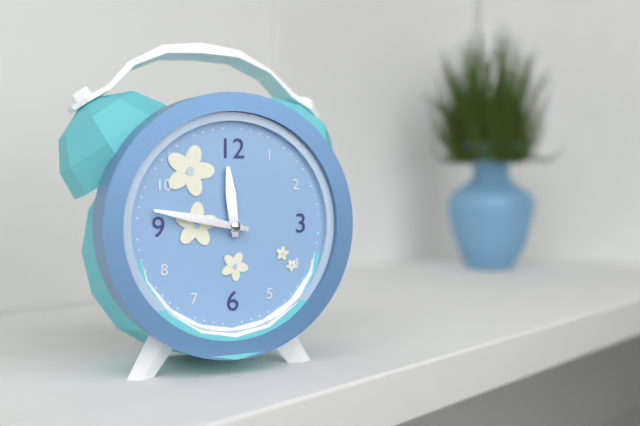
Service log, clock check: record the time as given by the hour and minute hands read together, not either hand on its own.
11:47
